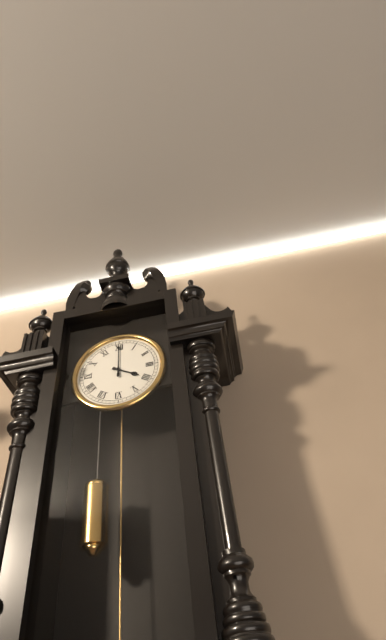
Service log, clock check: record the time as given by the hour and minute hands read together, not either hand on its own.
4:00
